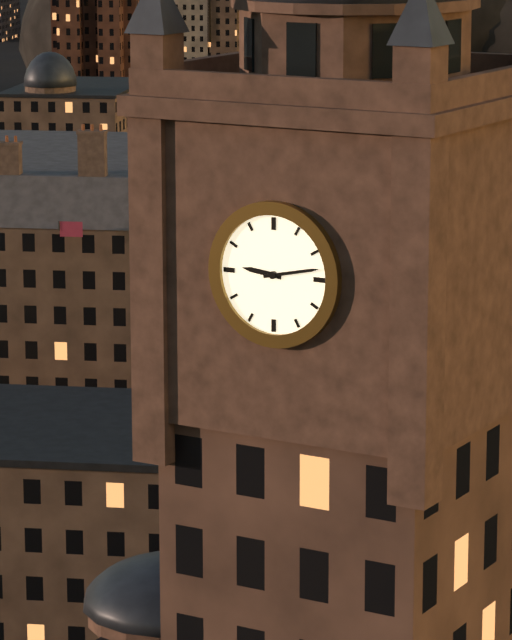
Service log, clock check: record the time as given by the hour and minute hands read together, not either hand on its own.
9:13
